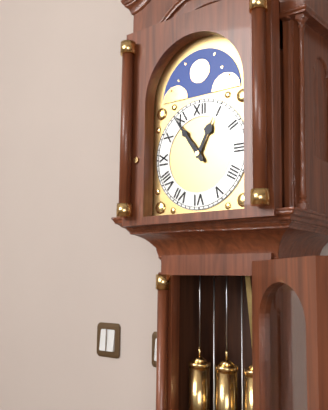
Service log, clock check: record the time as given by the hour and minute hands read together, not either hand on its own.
12:54
